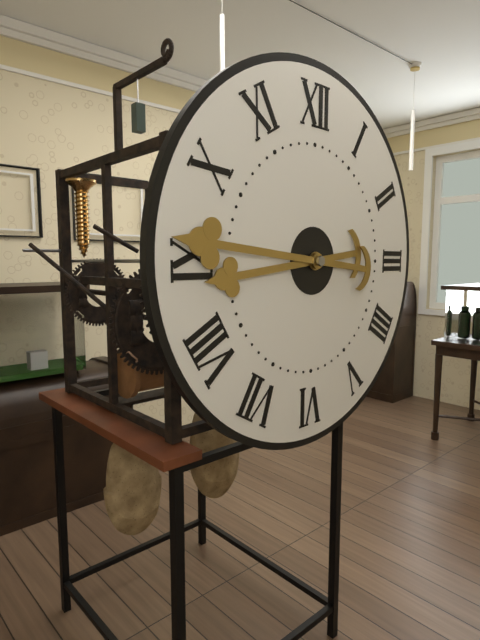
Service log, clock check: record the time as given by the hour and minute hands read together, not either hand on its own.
8:46
